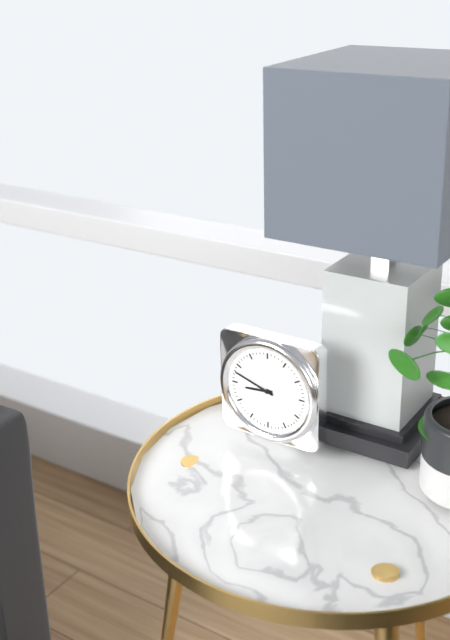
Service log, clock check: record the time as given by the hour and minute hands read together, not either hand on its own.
8:48
